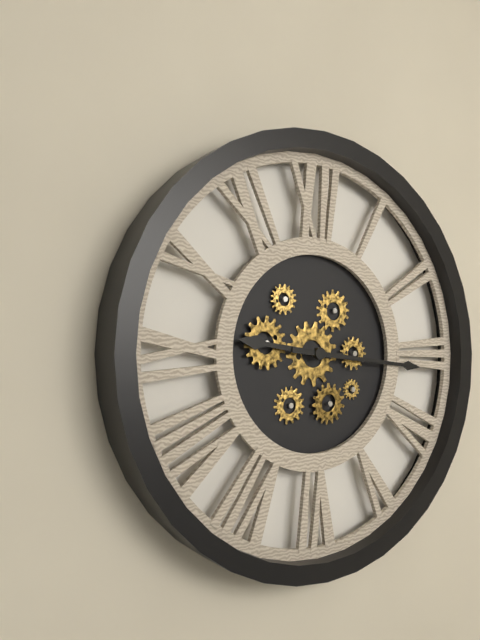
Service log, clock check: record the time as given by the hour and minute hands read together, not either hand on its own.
9:16
